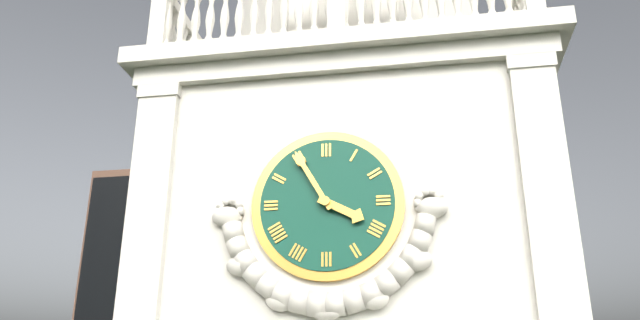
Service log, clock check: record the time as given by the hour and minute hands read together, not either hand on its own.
3:55
